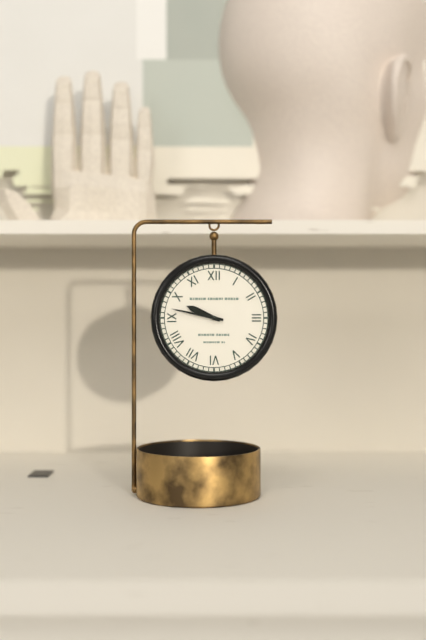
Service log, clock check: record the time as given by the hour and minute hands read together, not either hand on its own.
9:47
